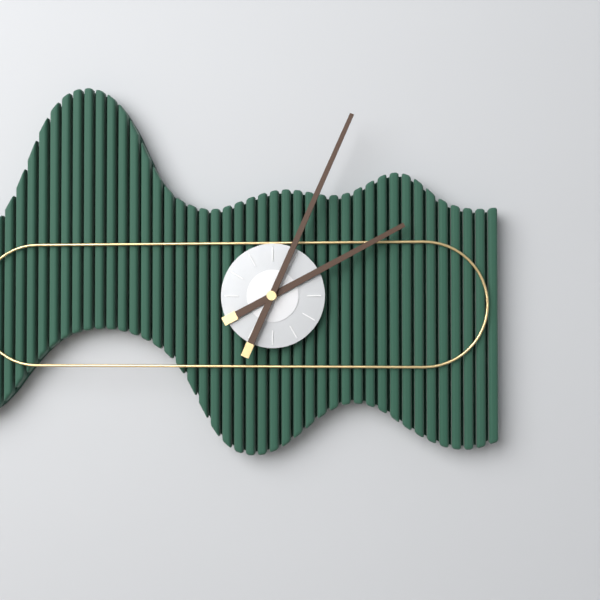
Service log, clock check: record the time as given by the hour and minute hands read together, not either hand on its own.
2:04
